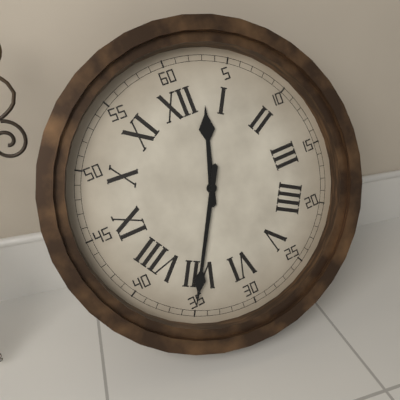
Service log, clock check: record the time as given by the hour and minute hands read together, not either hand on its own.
12:35
